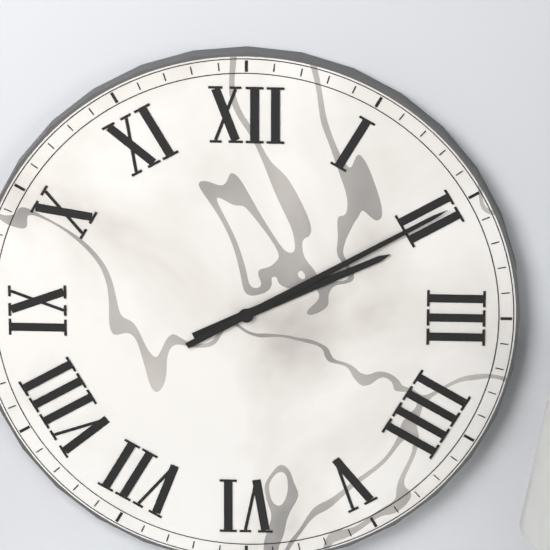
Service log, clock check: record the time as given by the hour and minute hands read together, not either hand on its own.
2:10
